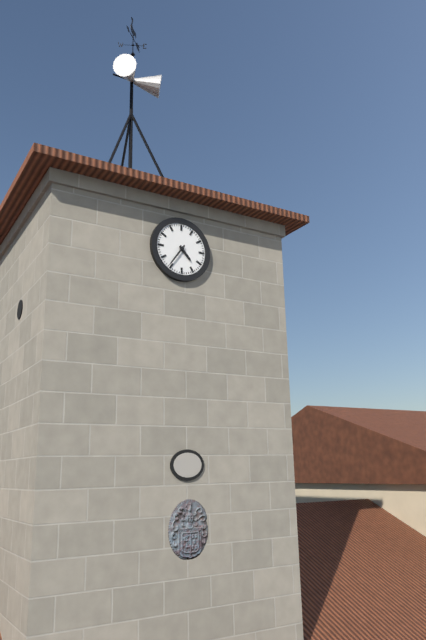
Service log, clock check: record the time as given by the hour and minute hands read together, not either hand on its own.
4:36
